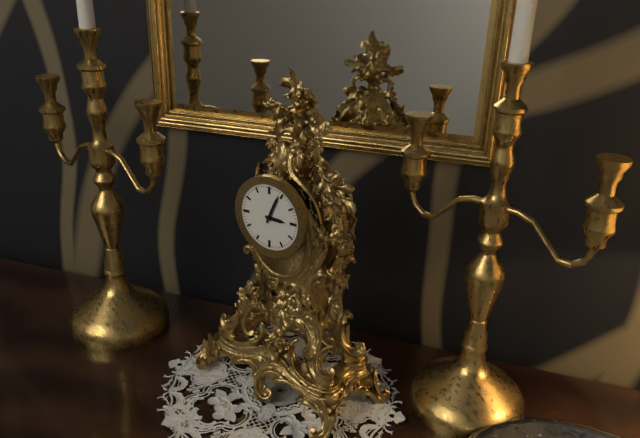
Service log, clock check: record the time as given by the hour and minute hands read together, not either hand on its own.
3:04
